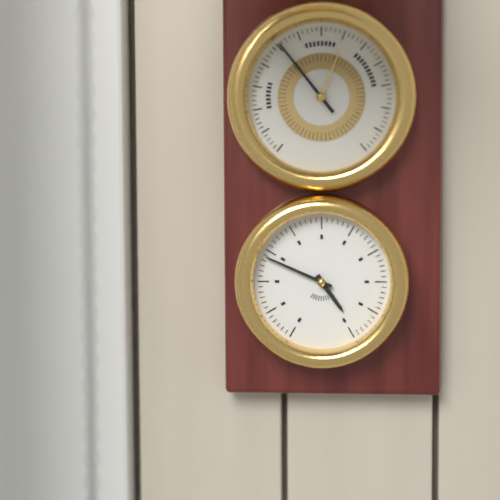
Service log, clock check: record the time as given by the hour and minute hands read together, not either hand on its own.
4:49
